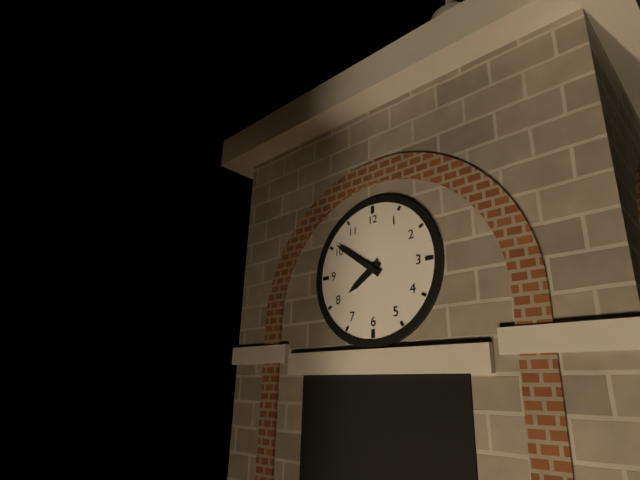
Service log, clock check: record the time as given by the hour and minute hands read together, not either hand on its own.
7:51
